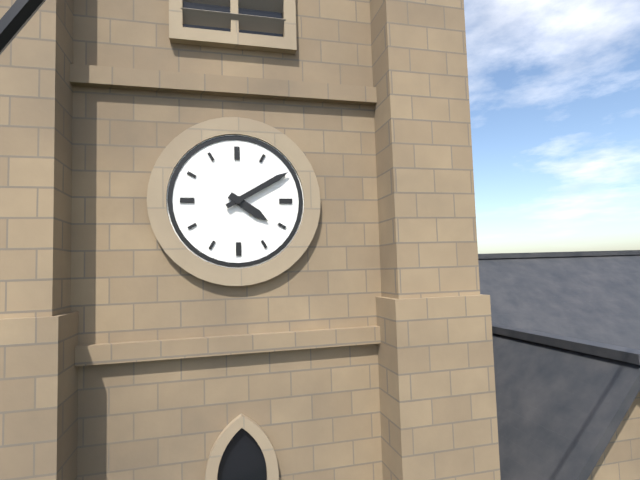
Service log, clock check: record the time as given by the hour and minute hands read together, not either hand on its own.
4:10
